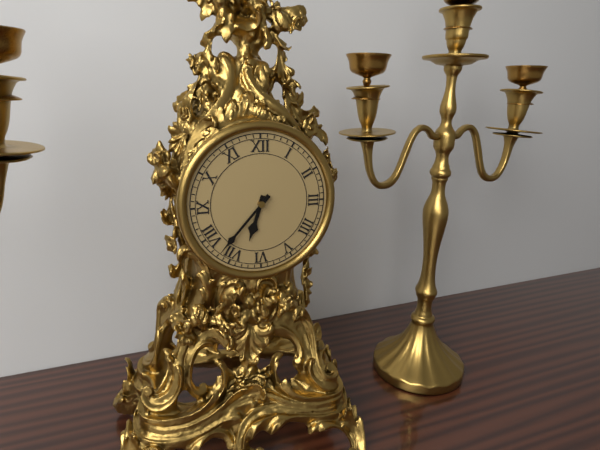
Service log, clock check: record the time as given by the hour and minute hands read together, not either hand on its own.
6:37
